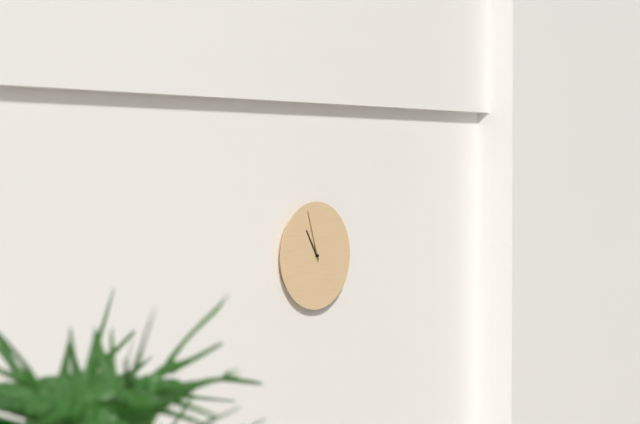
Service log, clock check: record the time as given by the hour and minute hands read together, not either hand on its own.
10:57
